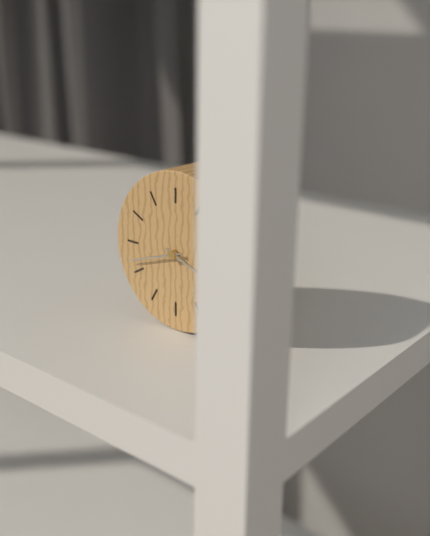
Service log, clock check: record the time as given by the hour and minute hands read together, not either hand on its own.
3:42
